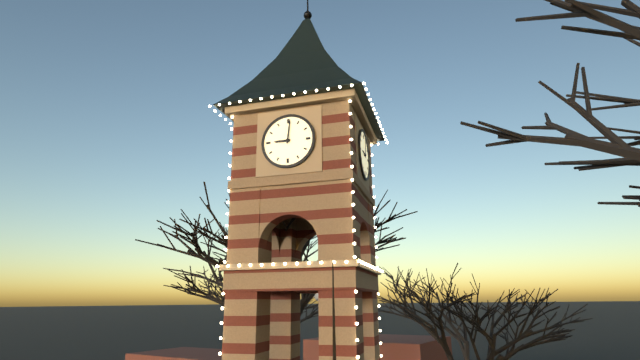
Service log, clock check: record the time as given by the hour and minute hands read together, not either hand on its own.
9:01
